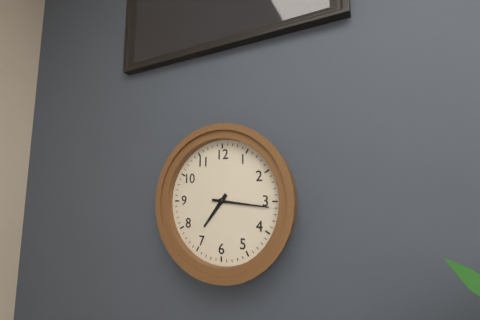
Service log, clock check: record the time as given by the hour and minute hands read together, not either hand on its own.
7:16
